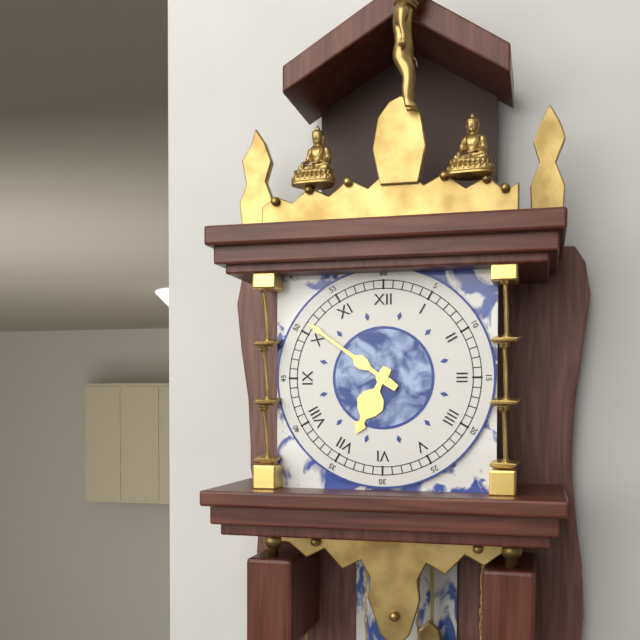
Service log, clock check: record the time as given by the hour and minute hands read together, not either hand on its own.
6:51
